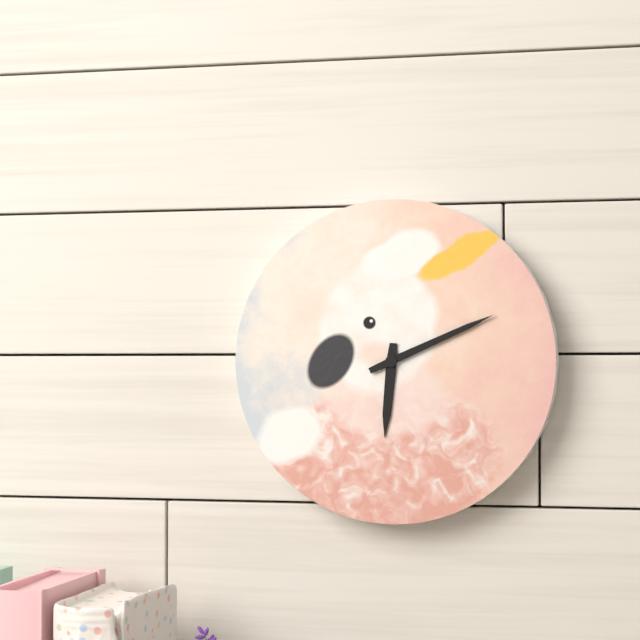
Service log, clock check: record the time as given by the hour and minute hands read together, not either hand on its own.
6:11
